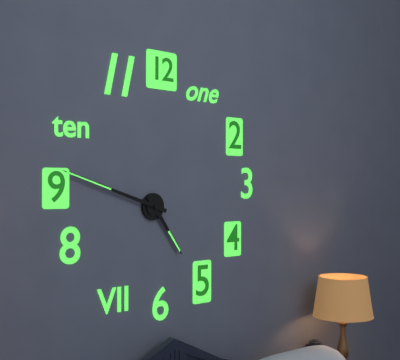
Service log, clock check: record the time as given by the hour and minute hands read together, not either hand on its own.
4:48
